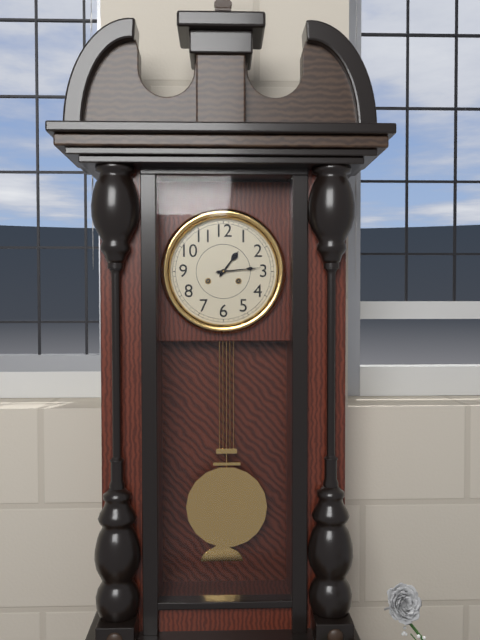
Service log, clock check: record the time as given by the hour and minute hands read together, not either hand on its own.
1:14
